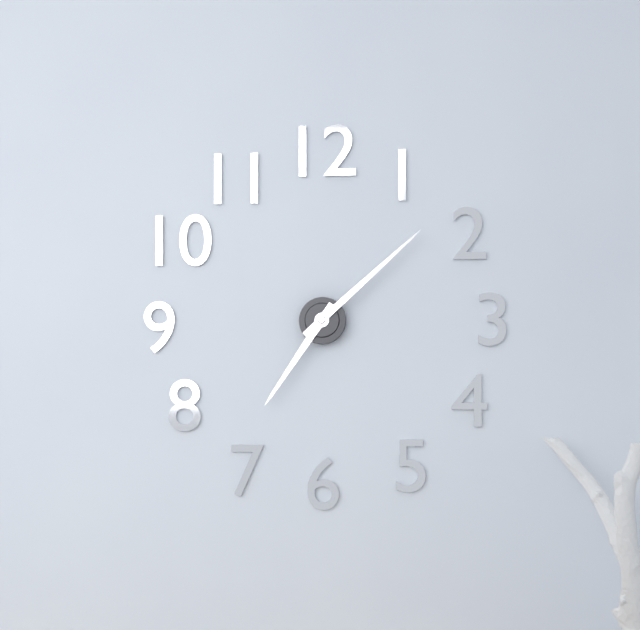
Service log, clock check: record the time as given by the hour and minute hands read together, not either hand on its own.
7:08
